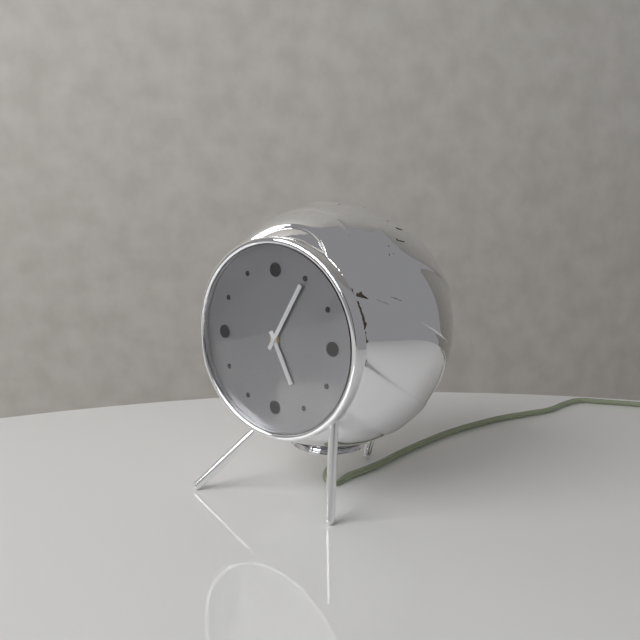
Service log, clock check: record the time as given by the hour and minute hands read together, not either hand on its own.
5:05
